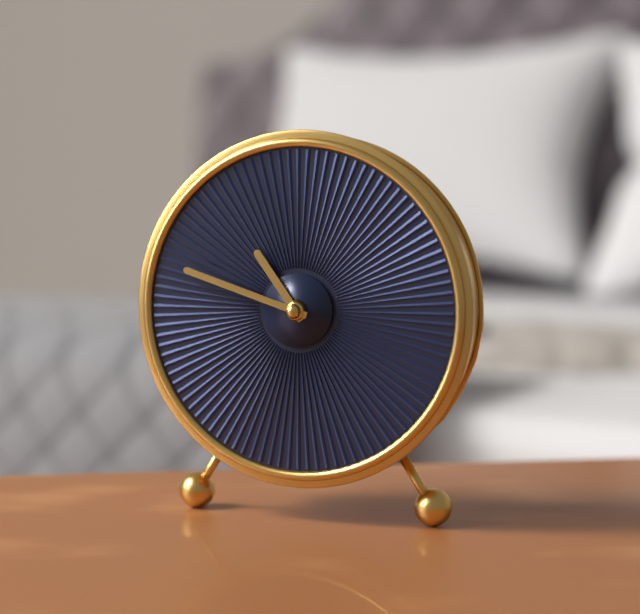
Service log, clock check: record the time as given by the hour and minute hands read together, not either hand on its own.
10:48
